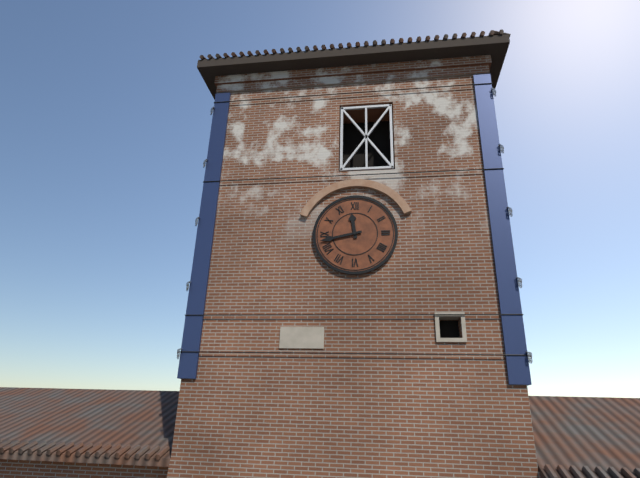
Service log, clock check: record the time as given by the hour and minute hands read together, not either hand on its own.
11:43
